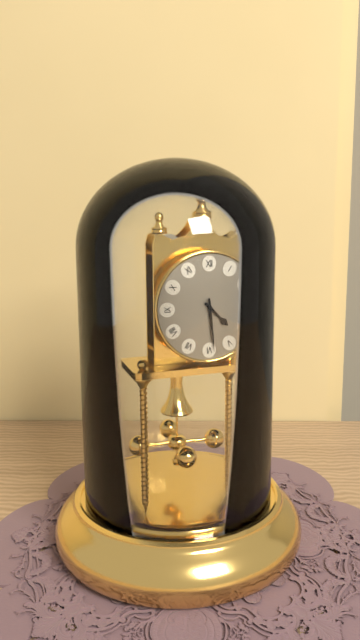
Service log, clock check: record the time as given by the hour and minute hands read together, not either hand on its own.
4:29
